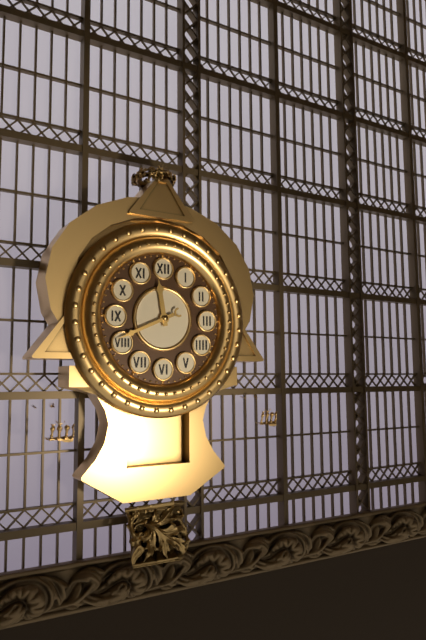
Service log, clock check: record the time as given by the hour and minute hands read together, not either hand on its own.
11:41
